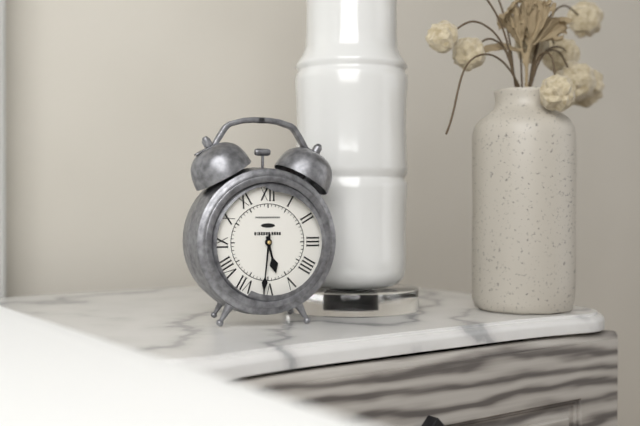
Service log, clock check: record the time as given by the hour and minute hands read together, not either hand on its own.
5:31
